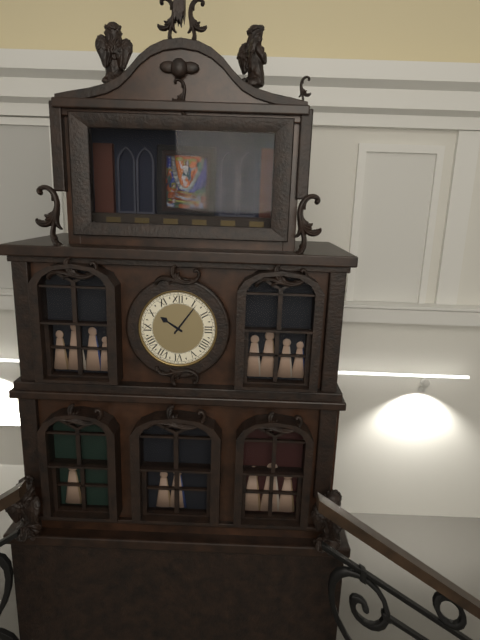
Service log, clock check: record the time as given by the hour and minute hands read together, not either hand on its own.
10:06
